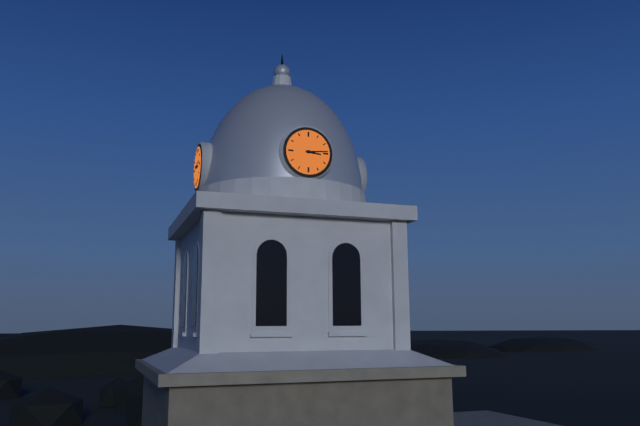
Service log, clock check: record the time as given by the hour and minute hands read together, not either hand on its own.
3:14
